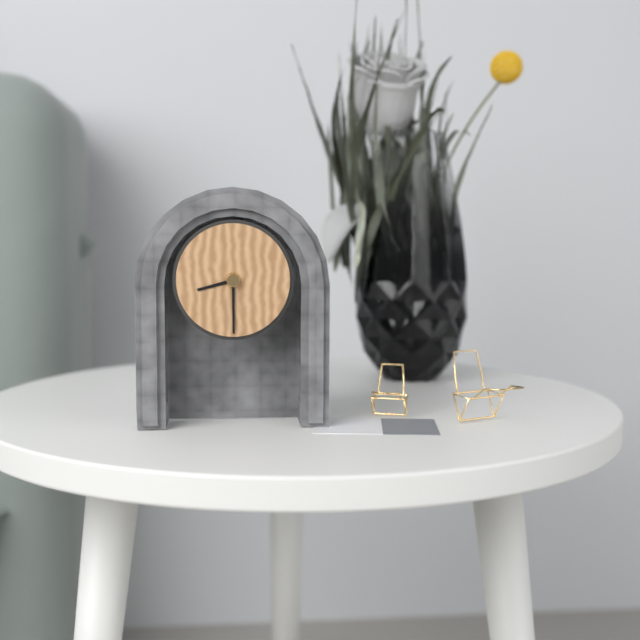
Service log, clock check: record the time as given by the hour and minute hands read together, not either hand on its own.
8:30
